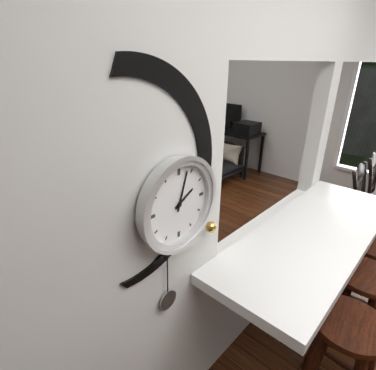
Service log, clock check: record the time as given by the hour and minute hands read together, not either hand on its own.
2:03
